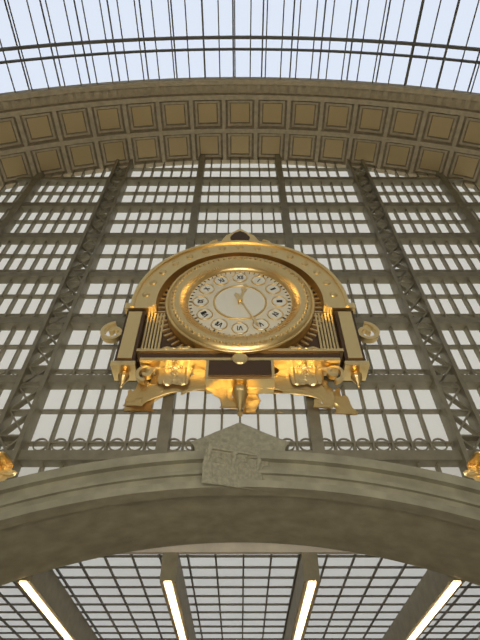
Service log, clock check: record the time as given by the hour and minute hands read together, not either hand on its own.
12:26
